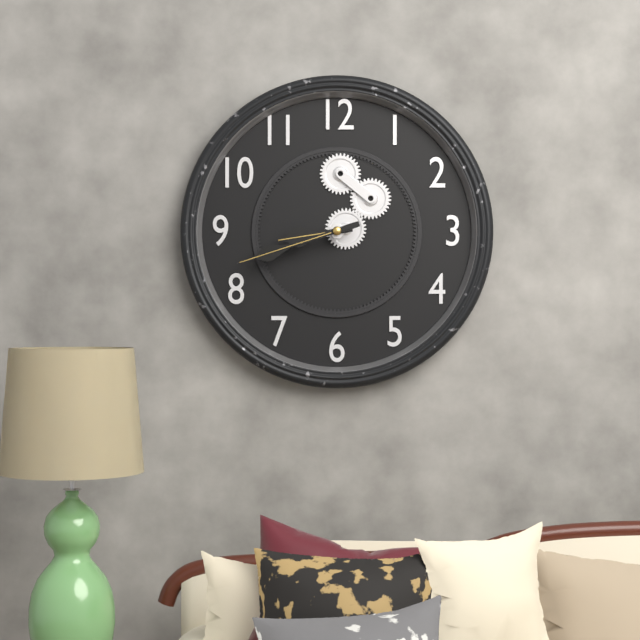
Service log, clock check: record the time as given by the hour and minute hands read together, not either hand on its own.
8:42
